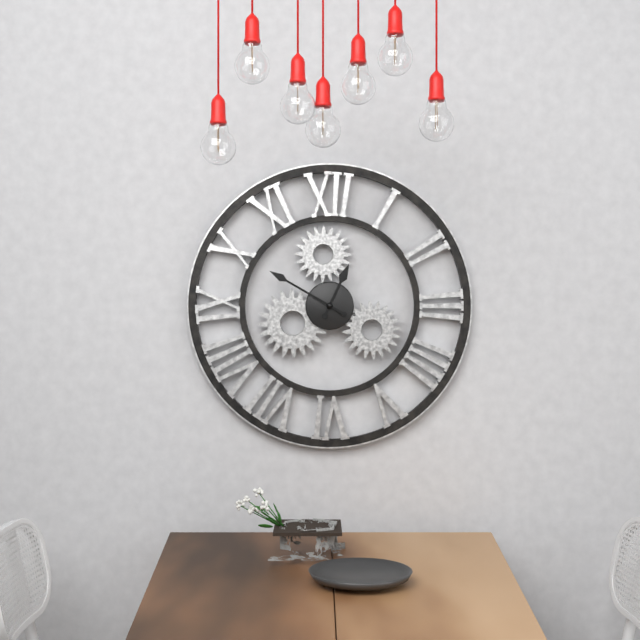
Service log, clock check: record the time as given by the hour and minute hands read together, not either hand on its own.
12:50
